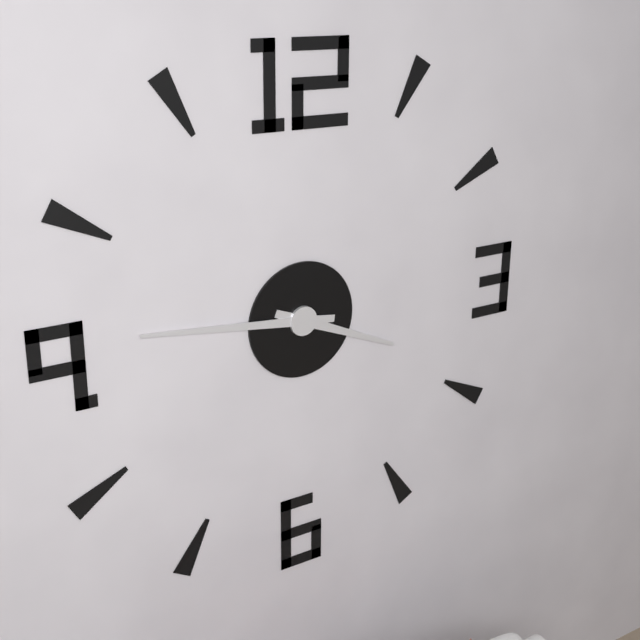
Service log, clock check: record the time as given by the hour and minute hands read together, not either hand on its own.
3:46
